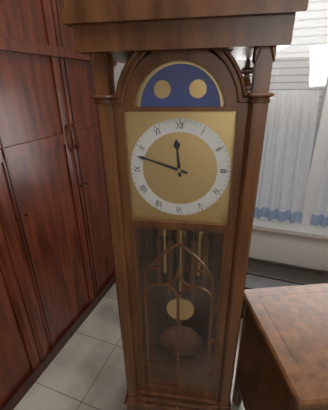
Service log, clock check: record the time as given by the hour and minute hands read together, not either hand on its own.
11:48
